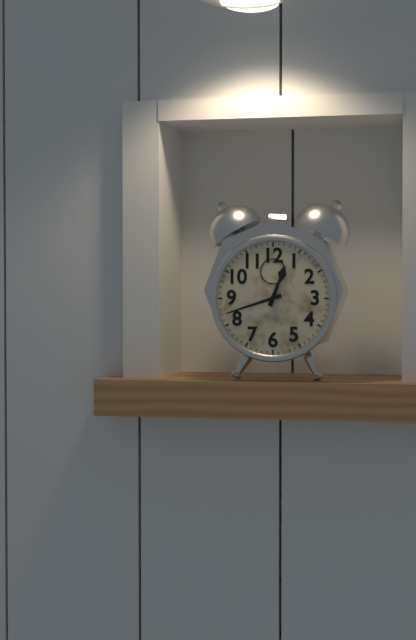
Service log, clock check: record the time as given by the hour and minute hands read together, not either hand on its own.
12:42
